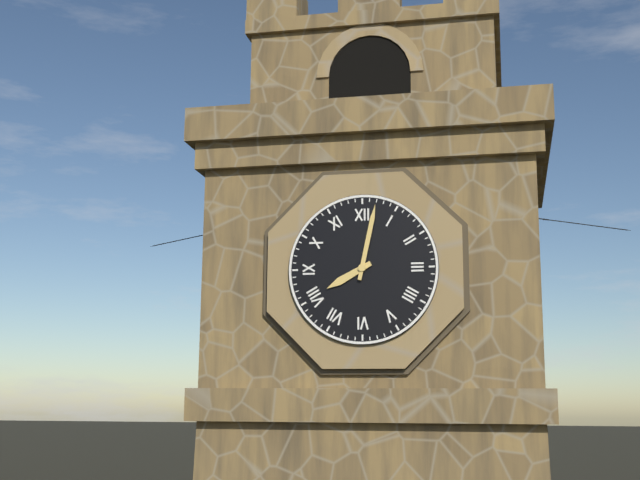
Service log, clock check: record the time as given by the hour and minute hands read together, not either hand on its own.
8:02
